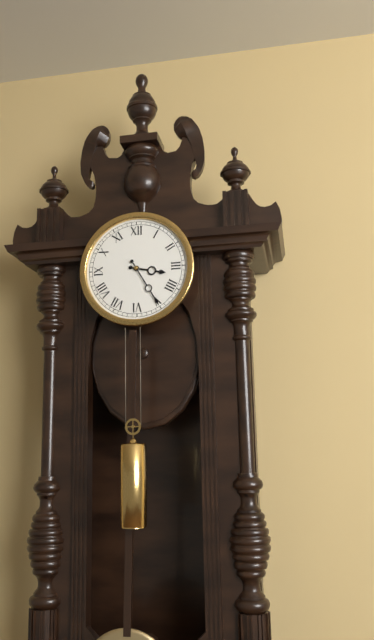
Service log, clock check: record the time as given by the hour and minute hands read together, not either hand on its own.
3:25
